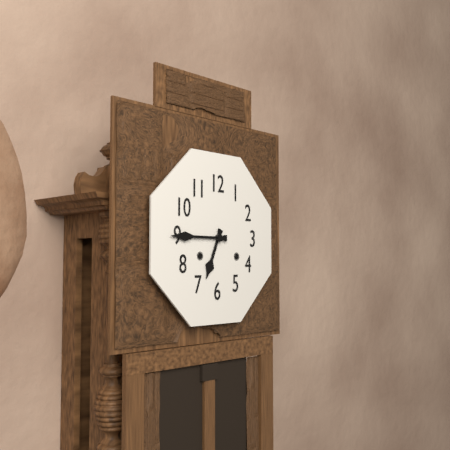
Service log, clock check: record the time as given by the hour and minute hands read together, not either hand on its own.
6:45
